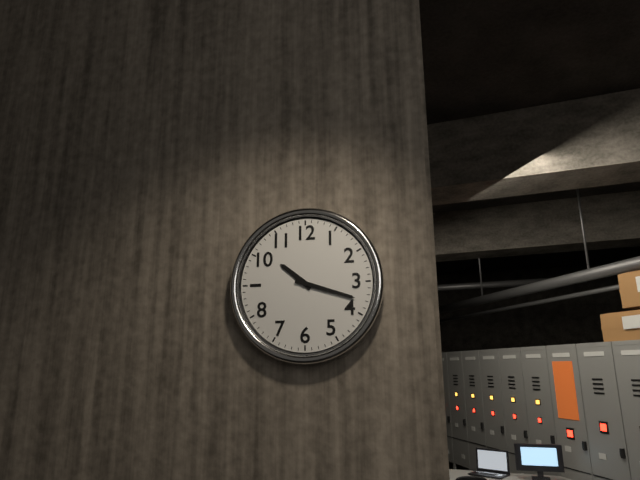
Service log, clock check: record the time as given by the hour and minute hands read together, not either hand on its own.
10:18
